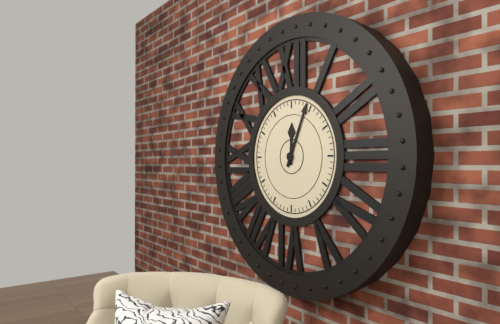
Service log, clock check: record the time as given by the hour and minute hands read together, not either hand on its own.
12:04
